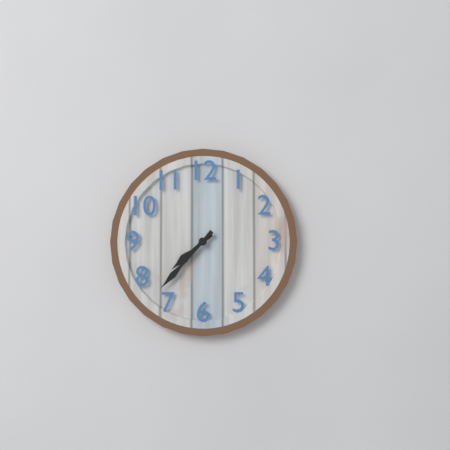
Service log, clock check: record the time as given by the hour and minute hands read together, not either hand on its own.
7:37
